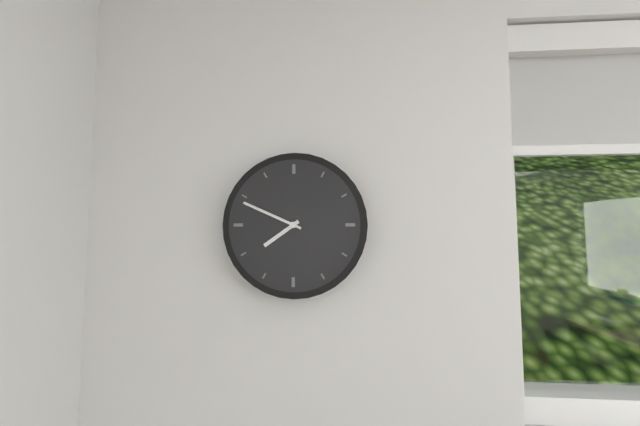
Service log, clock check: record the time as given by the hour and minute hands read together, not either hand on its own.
7:49
